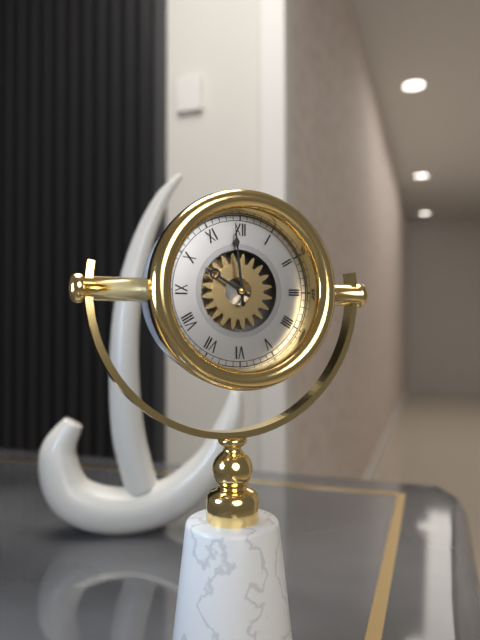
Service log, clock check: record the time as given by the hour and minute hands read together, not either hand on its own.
9:59
